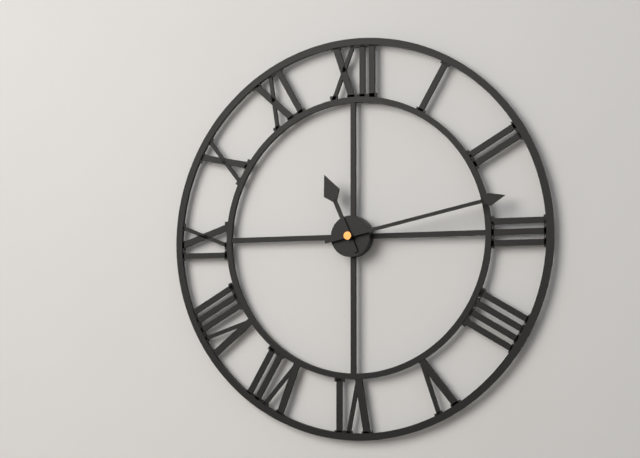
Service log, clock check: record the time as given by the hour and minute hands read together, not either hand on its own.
11:13
